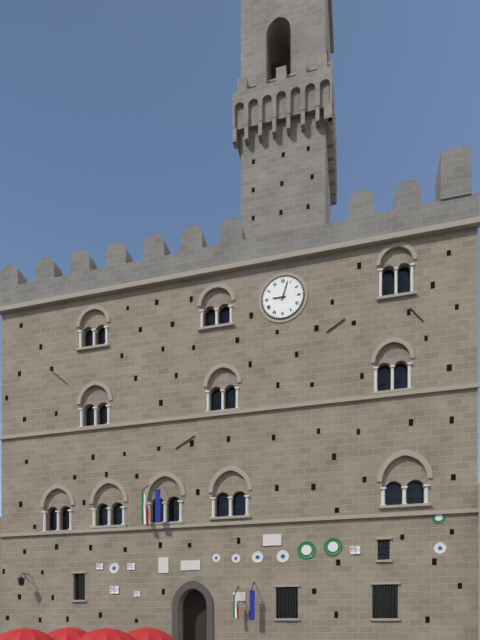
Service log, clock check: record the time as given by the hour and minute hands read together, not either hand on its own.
9:03
